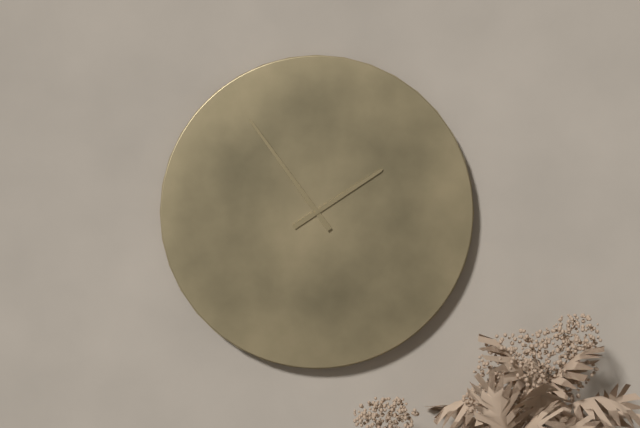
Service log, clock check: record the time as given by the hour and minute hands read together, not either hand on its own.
1:54
